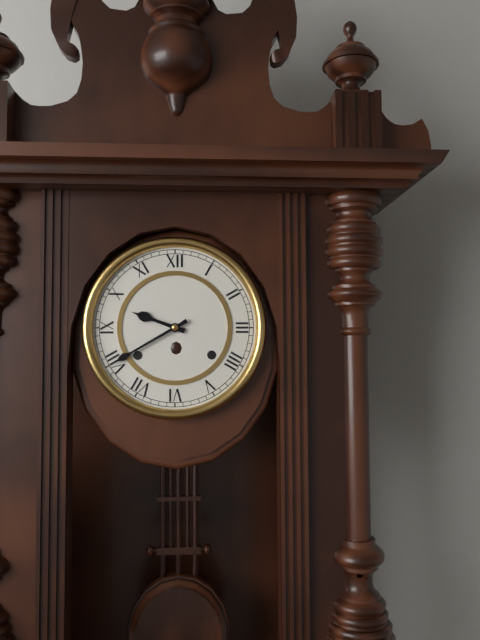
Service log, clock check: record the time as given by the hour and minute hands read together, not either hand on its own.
9:40
